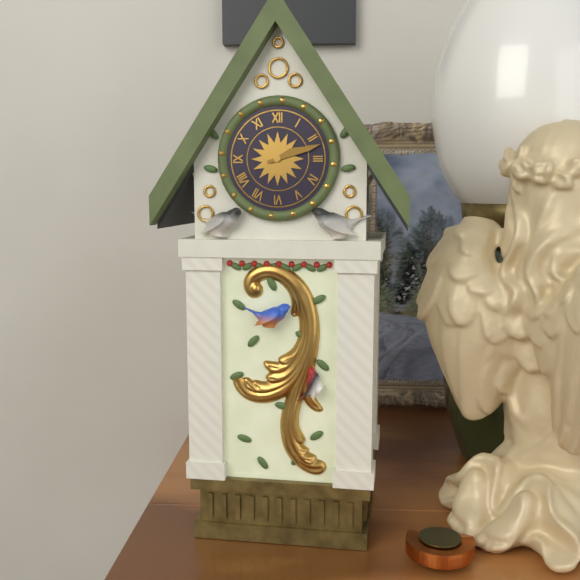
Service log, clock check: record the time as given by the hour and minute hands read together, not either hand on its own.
2:12
